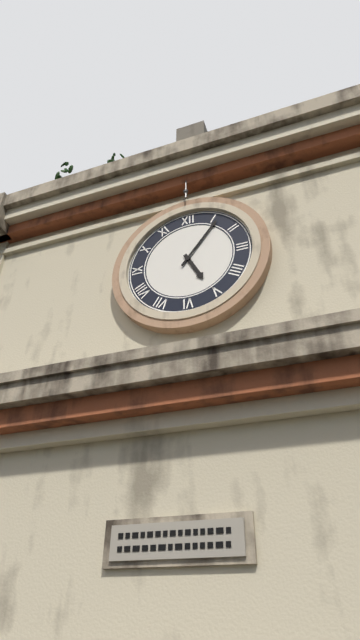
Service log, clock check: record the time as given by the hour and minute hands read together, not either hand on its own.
5:06
